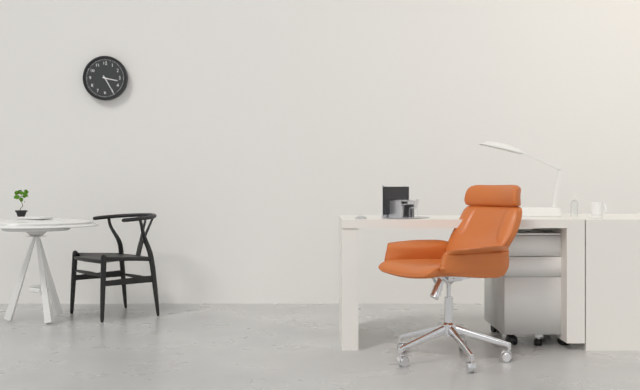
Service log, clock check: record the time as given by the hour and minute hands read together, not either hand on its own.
3:25
